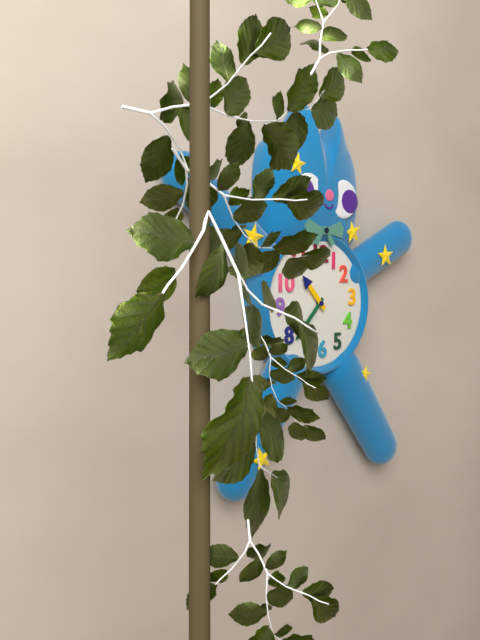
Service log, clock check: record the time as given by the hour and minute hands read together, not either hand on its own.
10:37
